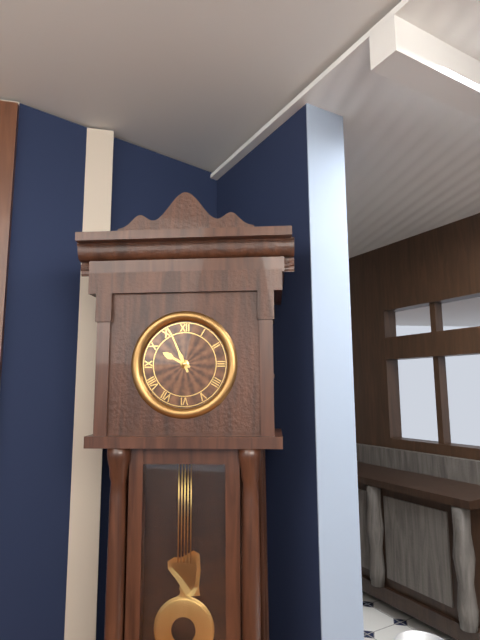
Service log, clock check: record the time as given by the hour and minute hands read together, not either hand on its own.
9:56
